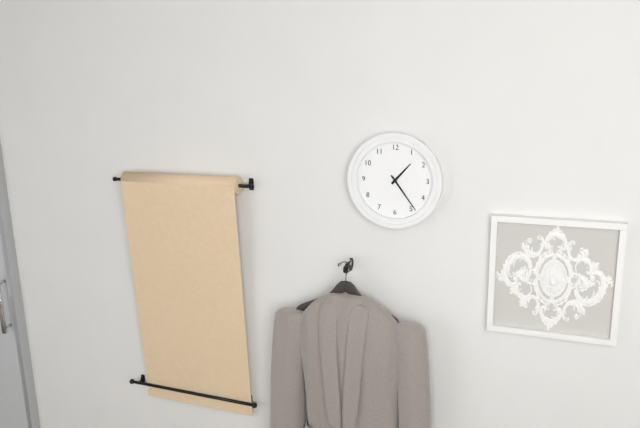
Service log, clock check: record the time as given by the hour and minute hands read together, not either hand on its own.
1:24
